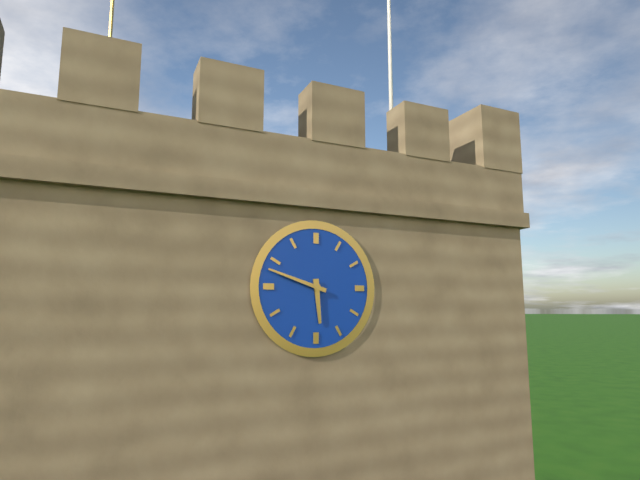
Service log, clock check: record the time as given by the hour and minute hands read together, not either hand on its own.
5:48
